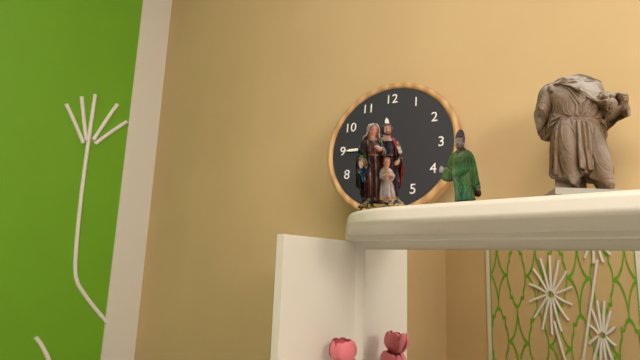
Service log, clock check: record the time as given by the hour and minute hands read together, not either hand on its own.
11:45
